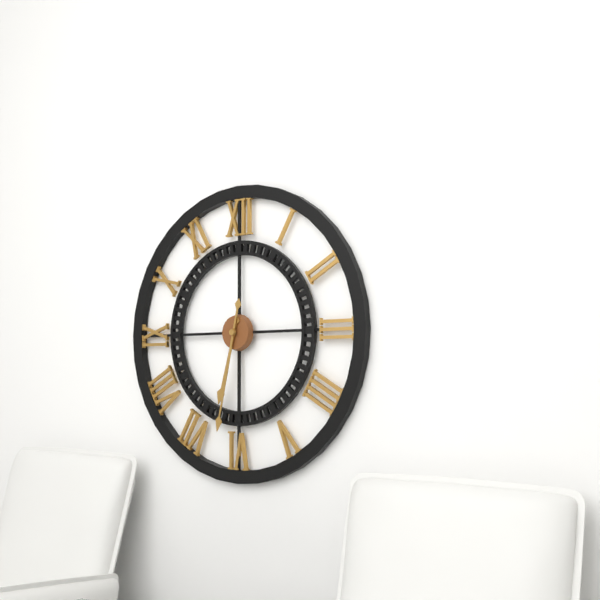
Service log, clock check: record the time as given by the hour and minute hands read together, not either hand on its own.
6:32
